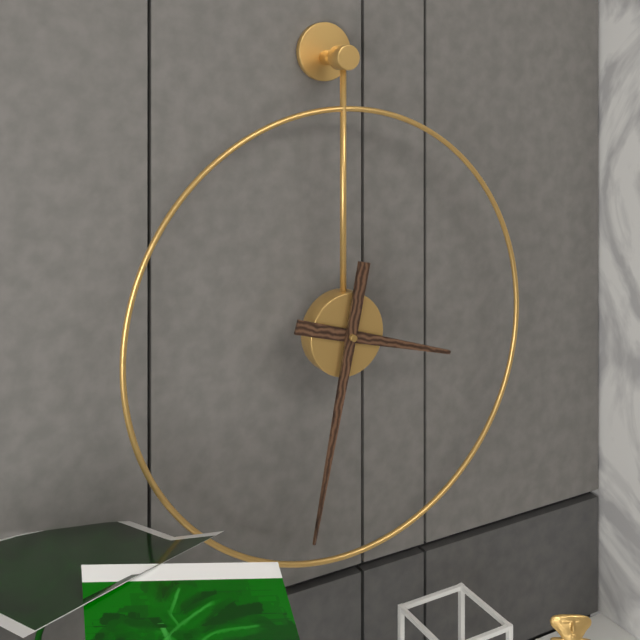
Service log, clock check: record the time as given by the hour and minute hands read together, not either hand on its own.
3:32
